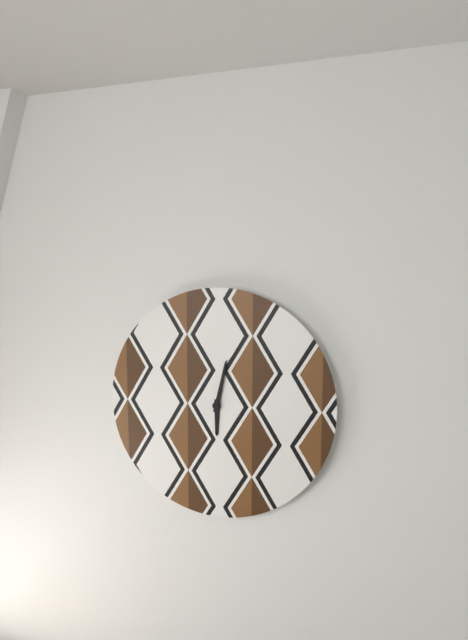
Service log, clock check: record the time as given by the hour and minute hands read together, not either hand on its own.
6:02
